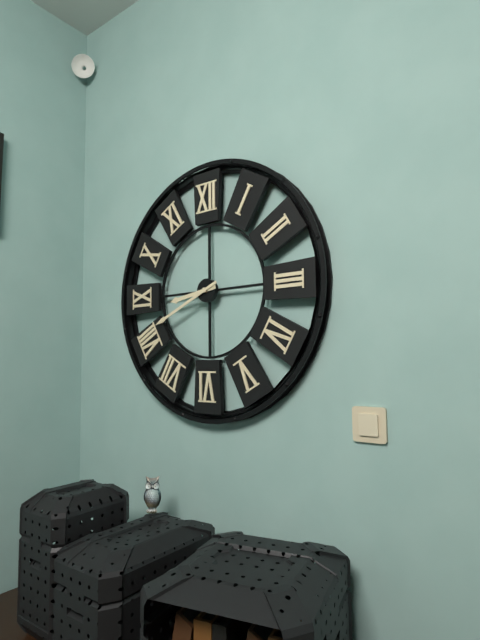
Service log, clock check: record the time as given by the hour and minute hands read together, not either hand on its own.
8:41
